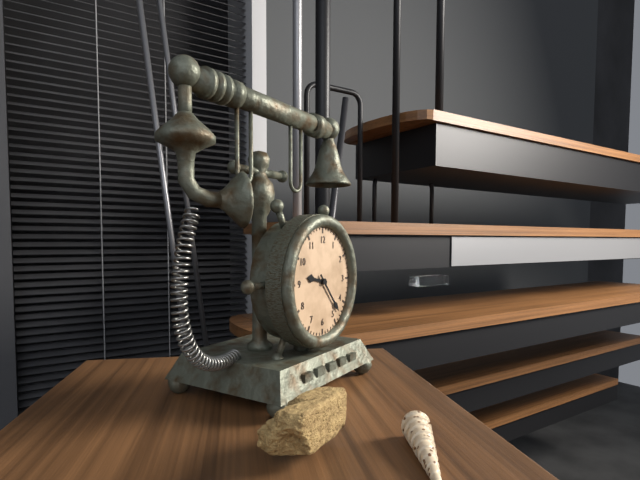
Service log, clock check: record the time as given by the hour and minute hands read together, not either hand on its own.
9:23
